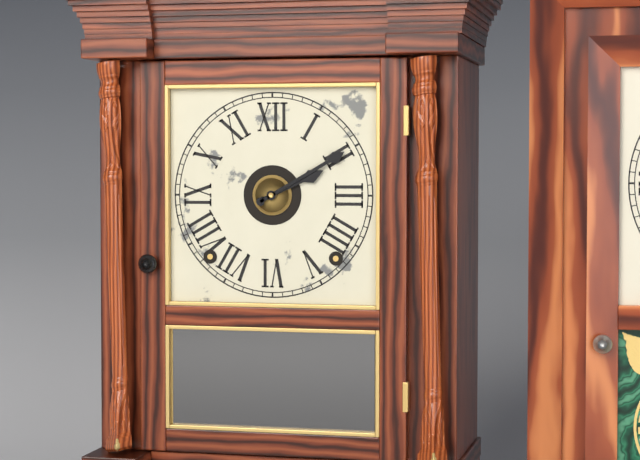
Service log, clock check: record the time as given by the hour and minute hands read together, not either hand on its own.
2:10
